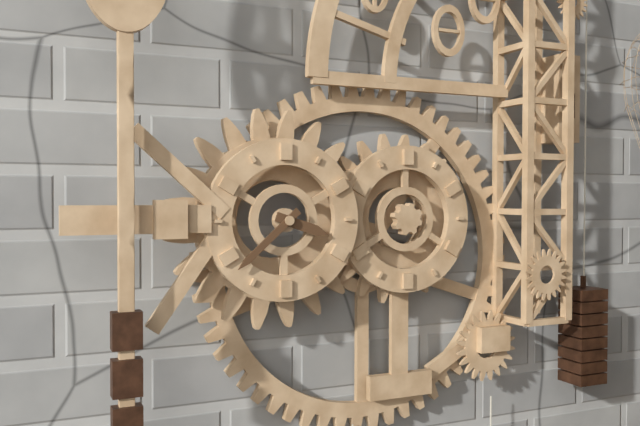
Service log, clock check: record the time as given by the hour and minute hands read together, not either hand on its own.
3:38
